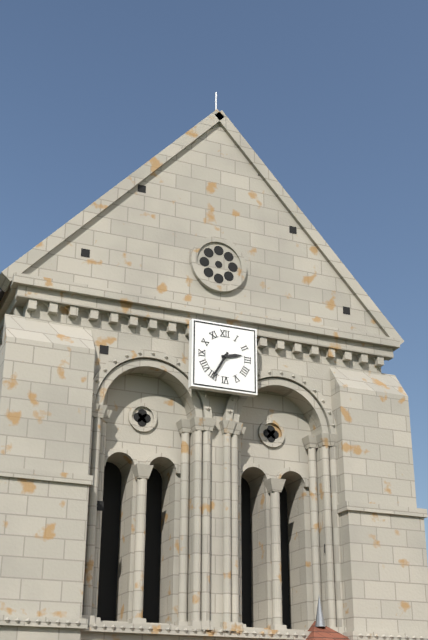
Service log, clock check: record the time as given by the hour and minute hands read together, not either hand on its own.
2:35
